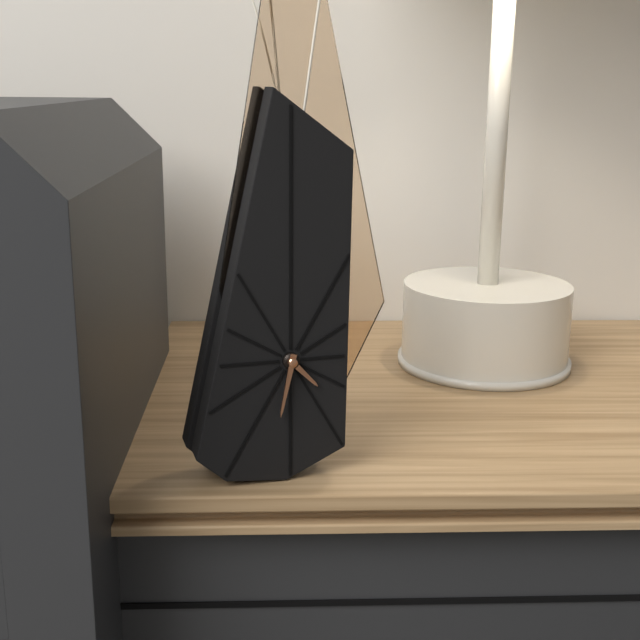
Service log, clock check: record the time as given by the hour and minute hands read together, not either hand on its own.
4:32
